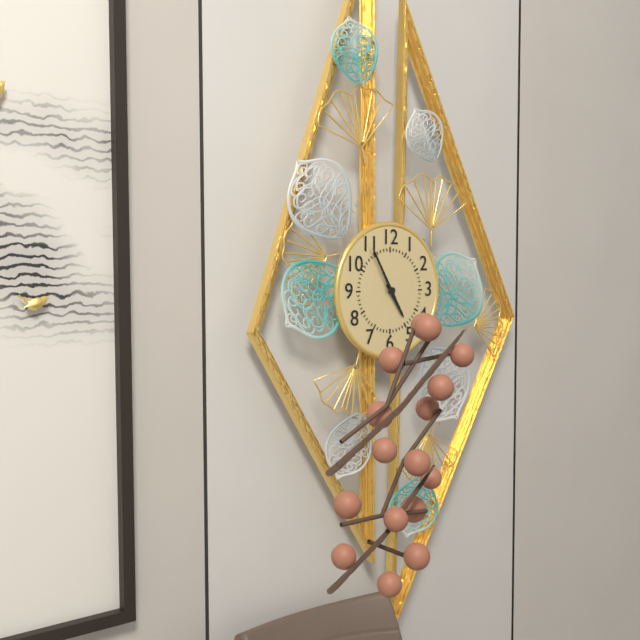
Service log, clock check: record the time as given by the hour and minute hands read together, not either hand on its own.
4:55
